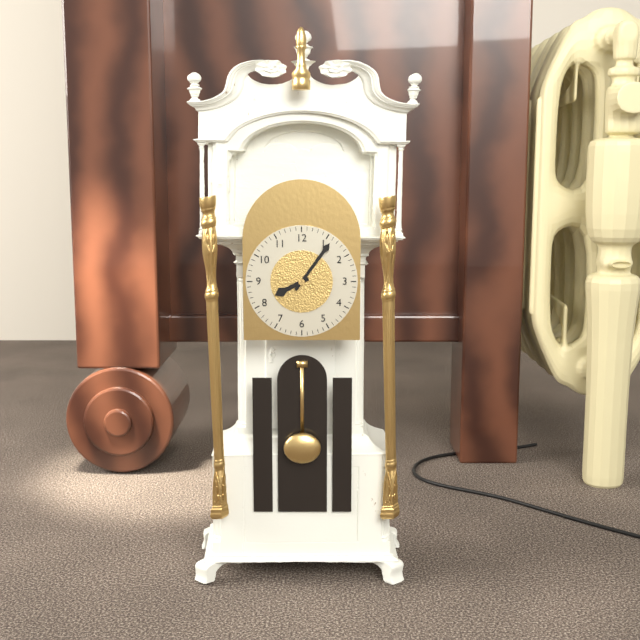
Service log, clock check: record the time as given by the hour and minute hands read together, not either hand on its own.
8:06
